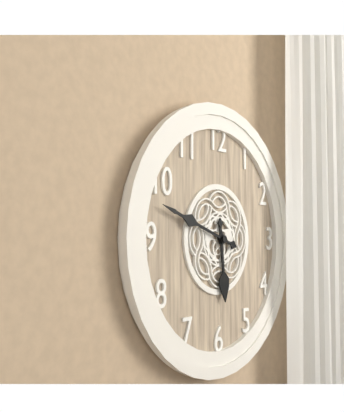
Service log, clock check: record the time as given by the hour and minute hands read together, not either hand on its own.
5:48
